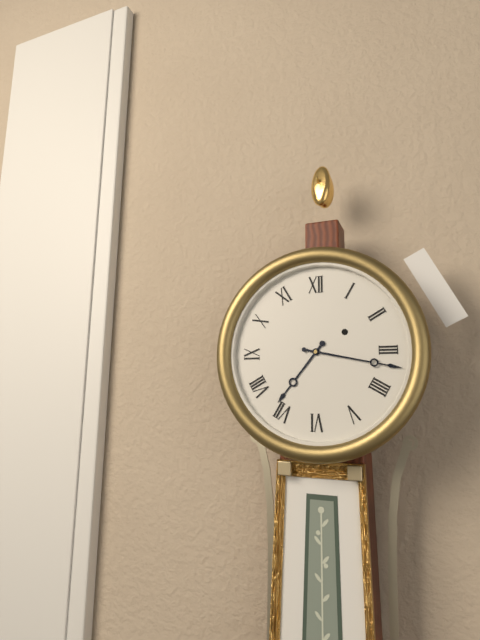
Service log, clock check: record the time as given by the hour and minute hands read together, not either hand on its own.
7:17
